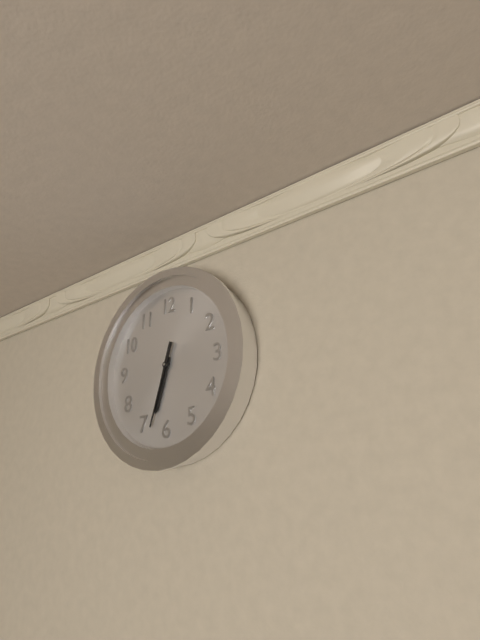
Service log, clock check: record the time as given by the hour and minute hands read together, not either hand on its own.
6:33
